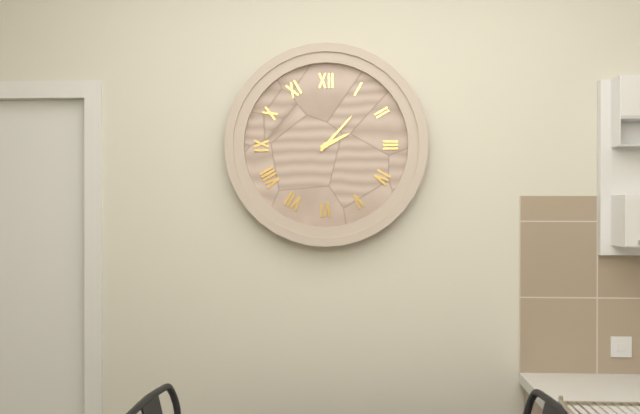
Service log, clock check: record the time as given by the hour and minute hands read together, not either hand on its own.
2:07
